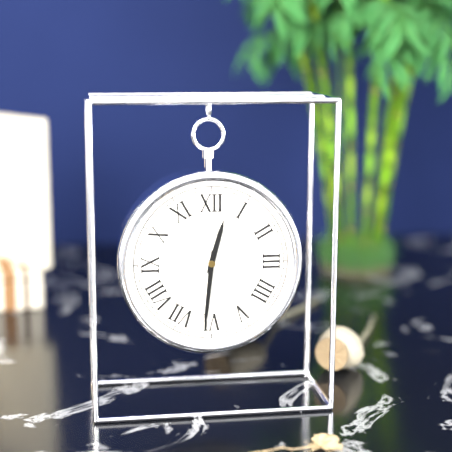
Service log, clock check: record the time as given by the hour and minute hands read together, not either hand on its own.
12:31
